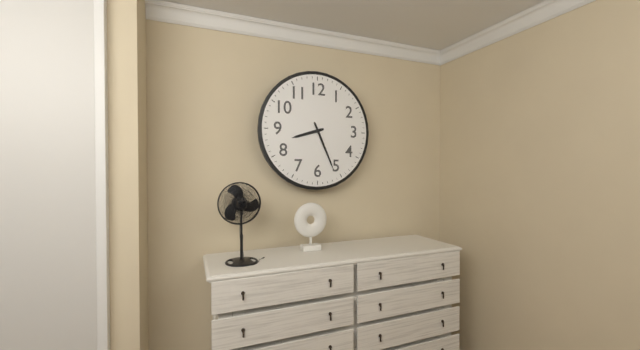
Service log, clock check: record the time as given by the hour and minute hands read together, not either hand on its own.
8:26
